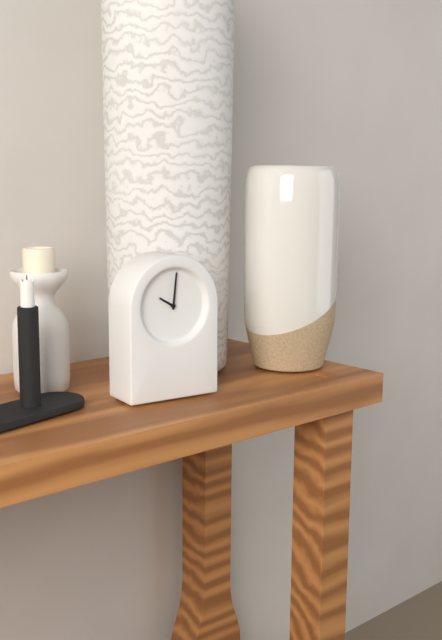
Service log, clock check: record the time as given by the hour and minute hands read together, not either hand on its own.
10:01
